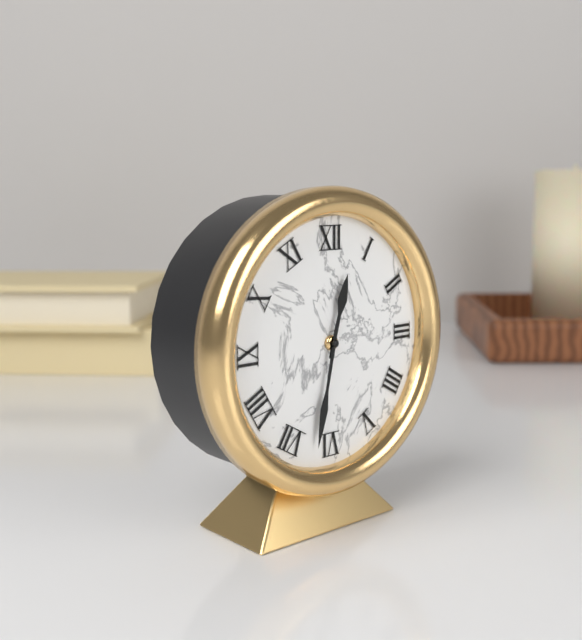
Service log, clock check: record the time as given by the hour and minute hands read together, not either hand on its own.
12:32
